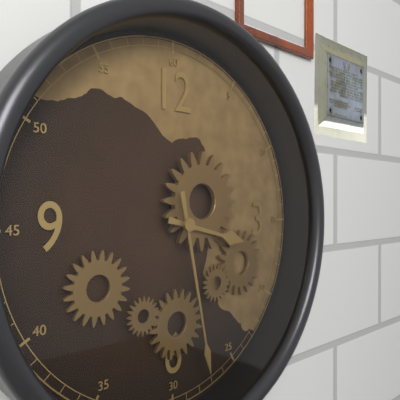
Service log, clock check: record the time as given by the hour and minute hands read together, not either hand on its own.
3:28
